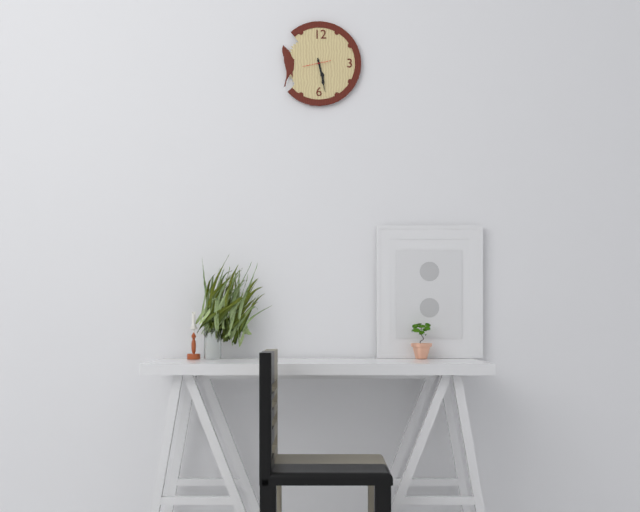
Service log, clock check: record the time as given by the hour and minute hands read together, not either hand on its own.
5:28
